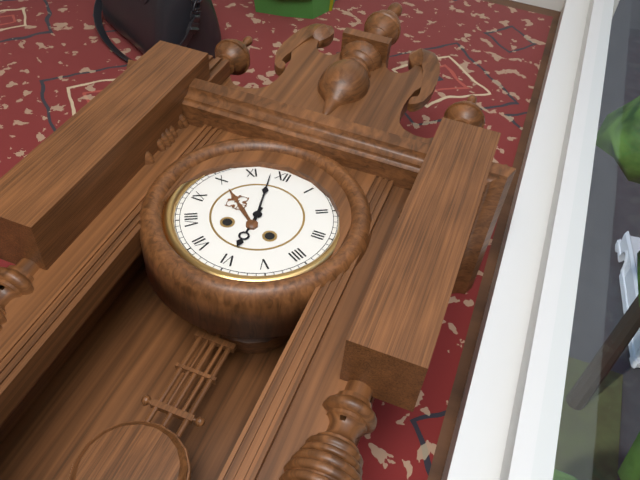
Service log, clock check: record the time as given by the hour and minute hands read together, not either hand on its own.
5:58
